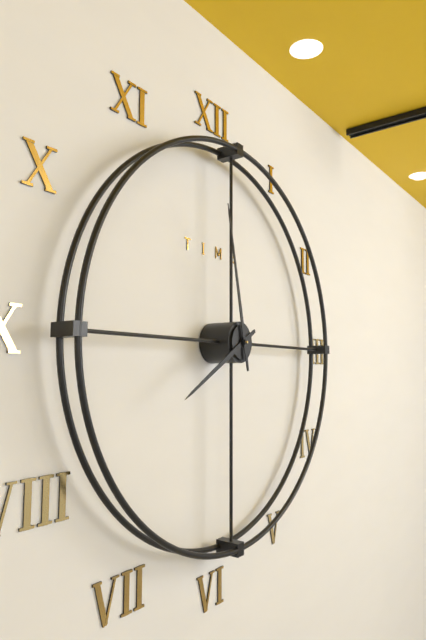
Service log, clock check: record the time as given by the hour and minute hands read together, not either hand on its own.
7:58
